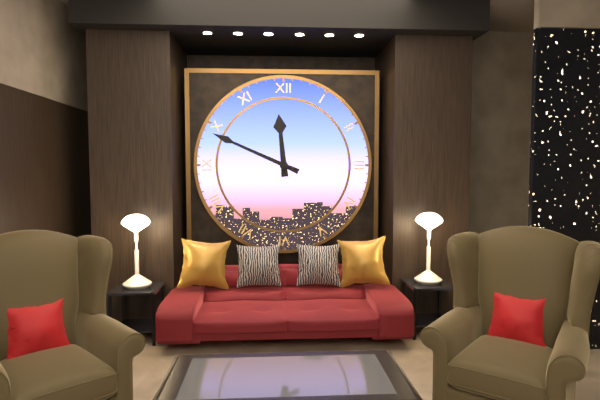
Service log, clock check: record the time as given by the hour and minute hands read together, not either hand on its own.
11:49
